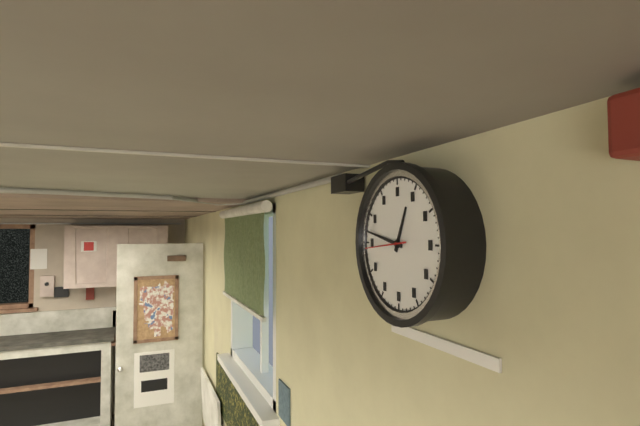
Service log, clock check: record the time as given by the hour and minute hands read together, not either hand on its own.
12:47
